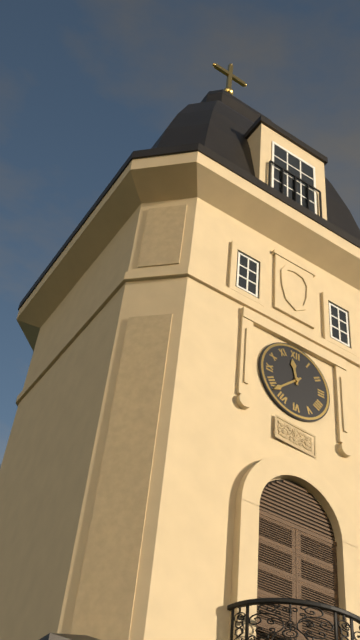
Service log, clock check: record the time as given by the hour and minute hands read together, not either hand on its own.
11:38
